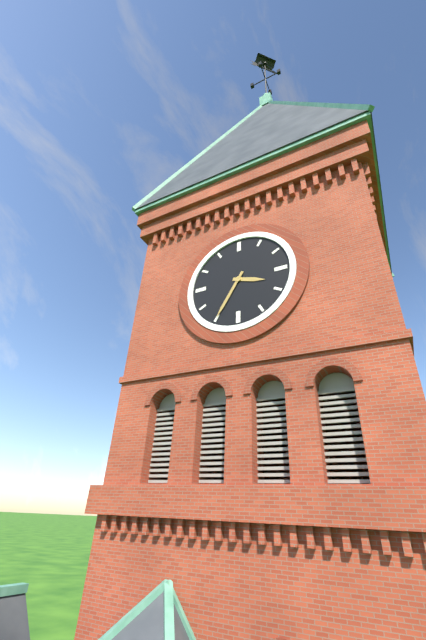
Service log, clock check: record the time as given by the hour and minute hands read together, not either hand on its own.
3:35
